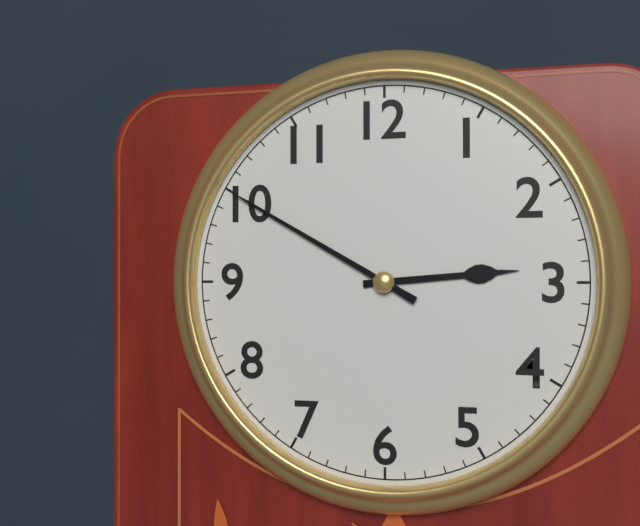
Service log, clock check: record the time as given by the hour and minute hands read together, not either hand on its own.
2:50
